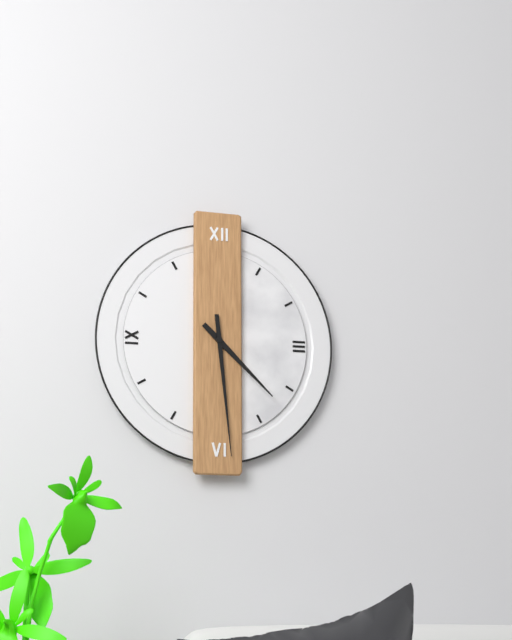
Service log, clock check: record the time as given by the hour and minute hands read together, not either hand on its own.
4:29
